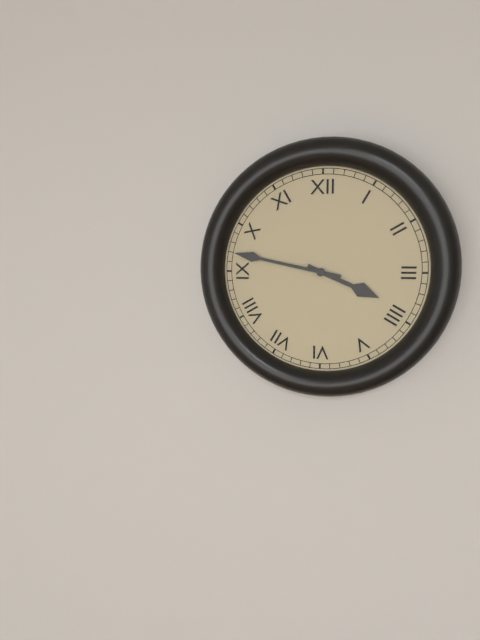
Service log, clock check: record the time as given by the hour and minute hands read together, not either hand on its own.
3:47
